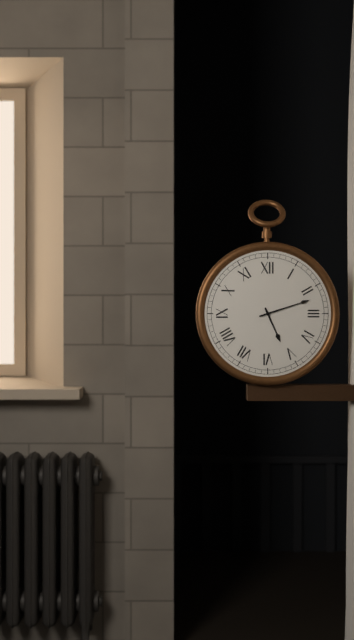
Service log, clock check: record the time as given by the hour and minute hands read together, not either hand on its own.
5:12
